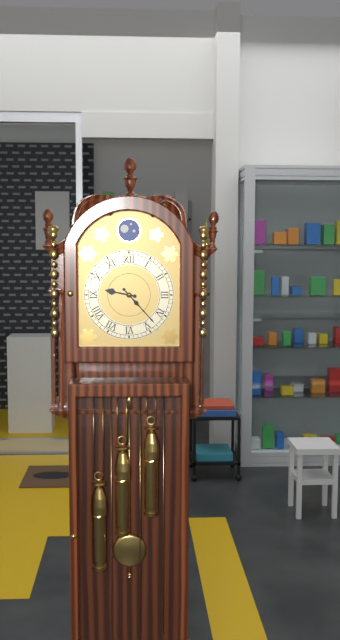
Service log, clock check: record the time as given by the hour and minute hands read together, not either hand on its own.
9:23
